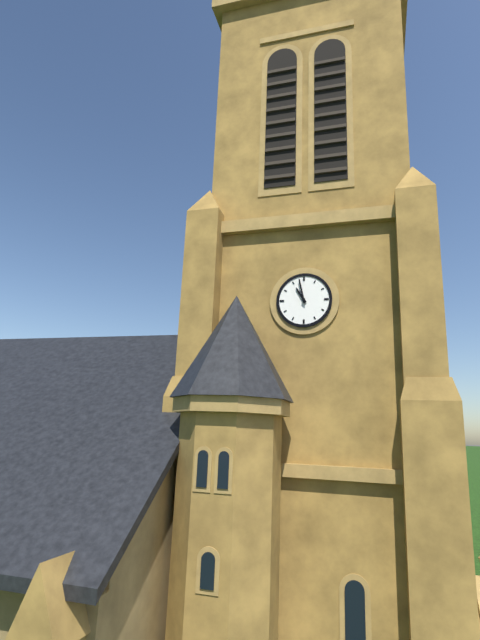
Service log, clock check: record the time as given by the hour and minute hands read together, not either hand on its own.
10:58
